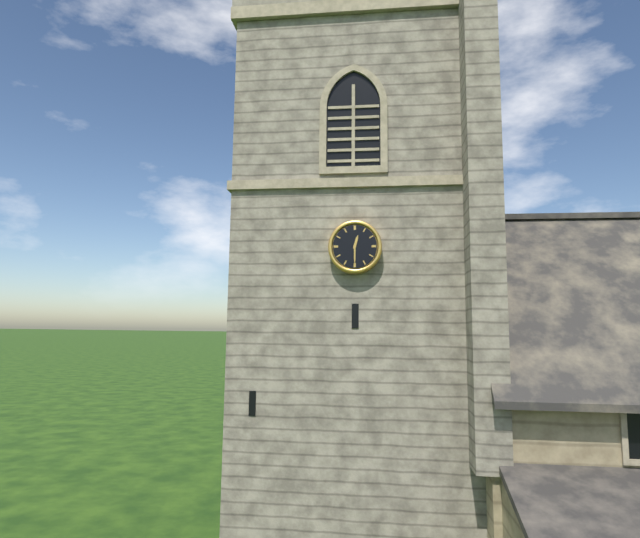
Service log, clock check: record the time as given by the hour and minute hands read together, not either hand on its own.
12:30
